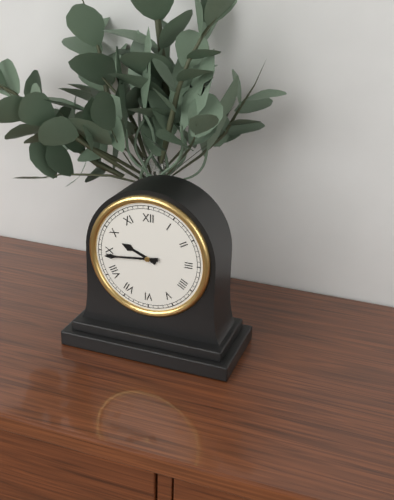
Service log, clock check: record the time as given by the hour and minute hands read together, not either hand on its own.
9:44
